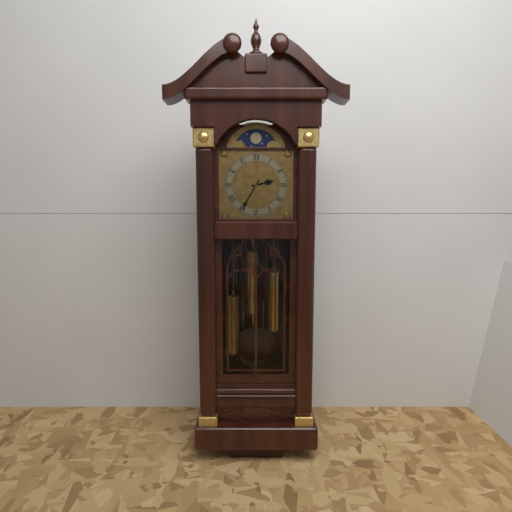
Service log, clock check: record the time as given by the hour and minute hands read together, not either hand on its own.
2:35
